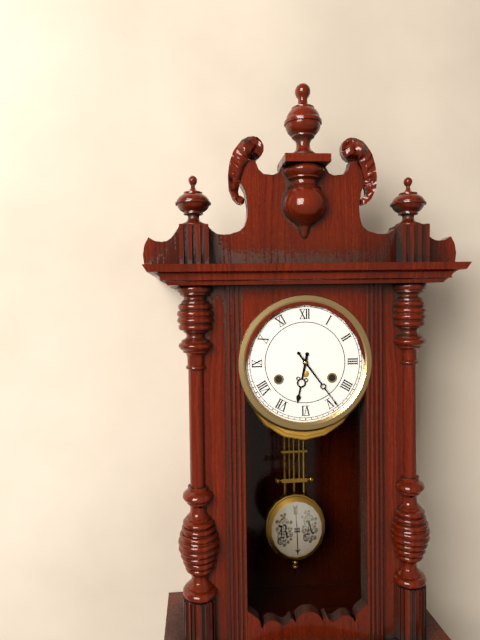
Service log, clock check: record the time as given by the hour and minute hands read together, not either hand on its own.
6:24
